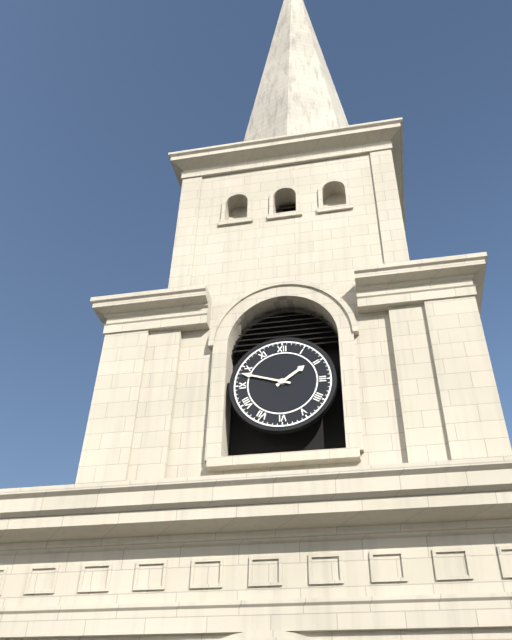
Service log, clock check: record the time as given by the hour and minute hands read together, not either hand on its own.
1:48
